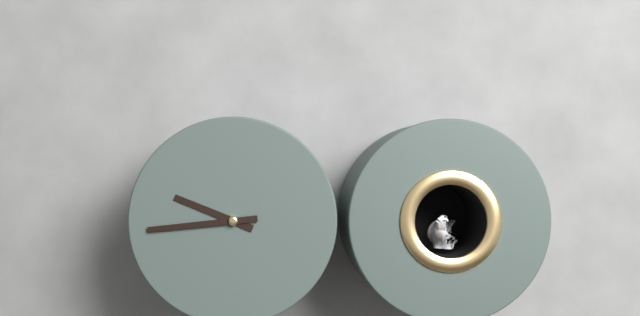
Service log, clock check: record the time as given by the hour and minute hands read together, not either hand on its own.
9:44
